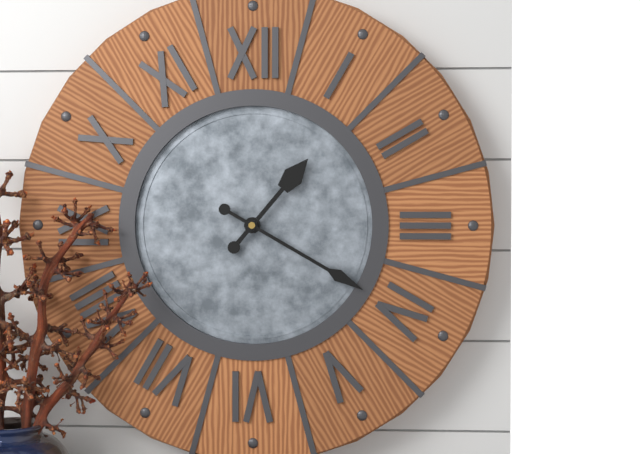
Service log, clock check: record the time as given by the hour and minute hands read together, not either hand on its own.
1:20
